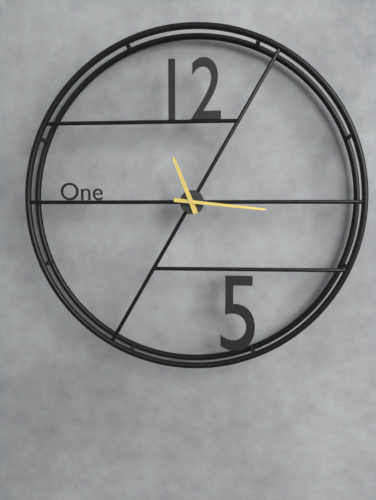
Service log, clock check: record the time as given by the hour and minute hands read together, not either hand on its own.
11:16
